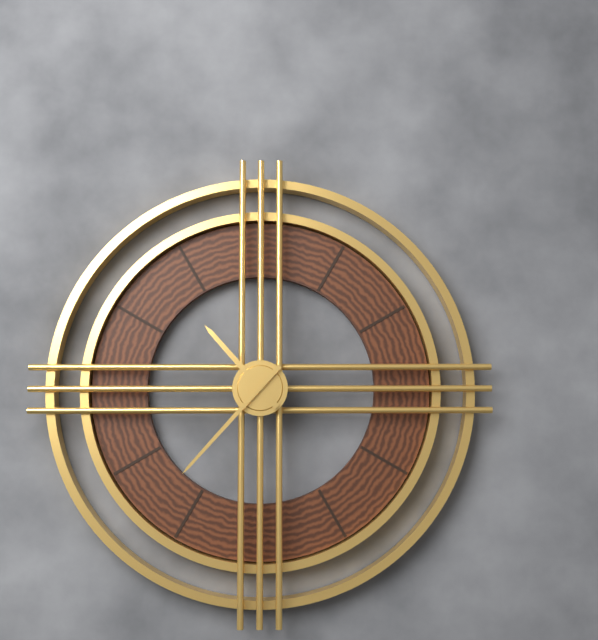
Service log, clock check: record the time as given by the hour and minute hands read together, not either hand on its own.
10:37
